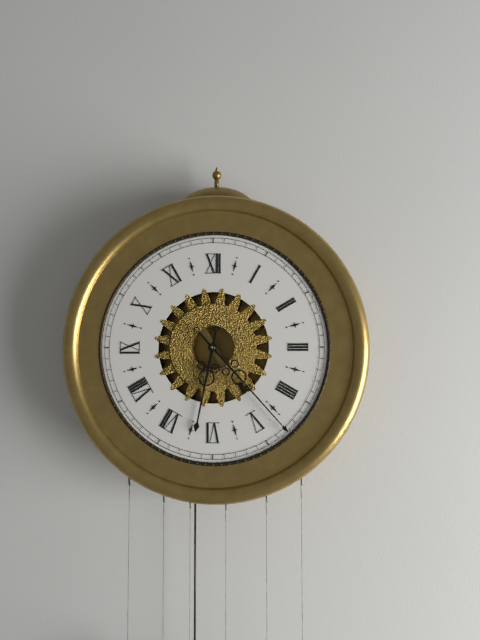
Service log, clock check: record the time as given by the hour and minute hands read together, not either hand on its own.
6:23
